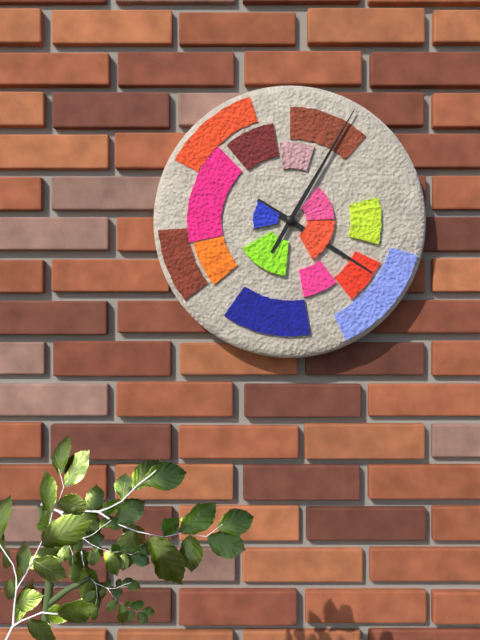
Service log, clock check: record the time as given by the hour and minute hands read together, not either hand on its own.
4:05
